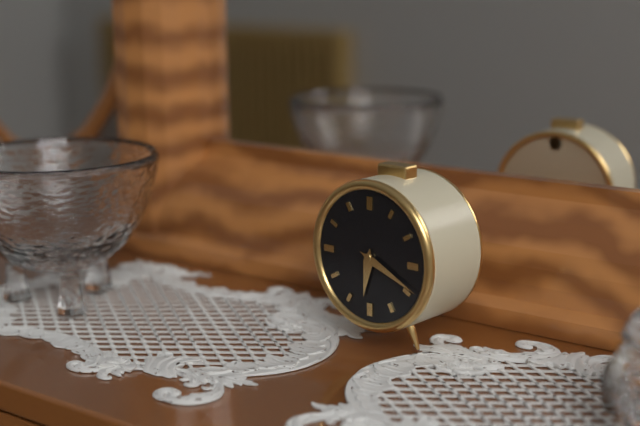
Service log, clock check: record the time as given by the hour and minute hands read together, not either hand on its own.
6:19
